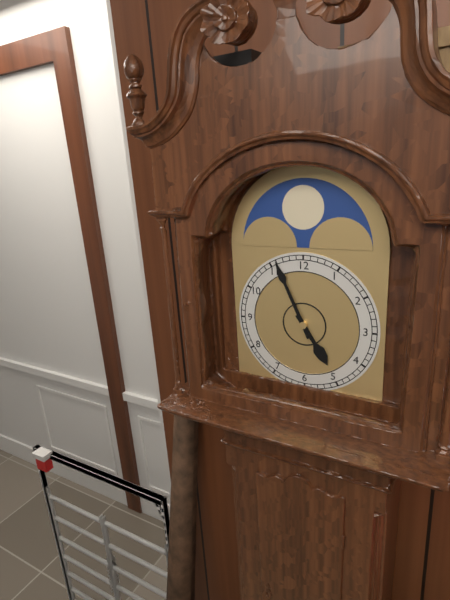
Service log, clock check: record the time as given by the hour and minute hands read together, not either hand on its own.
4:56
